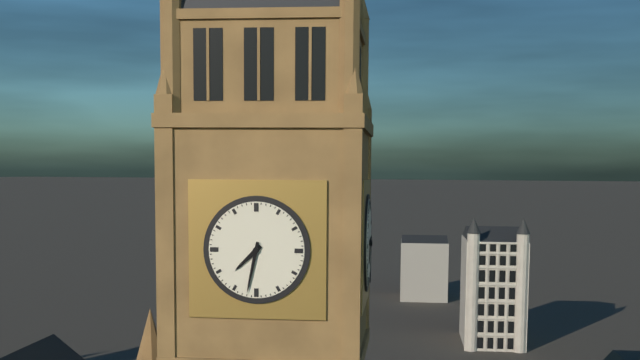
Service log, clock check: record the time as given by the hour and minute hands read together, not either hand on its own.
7:32
